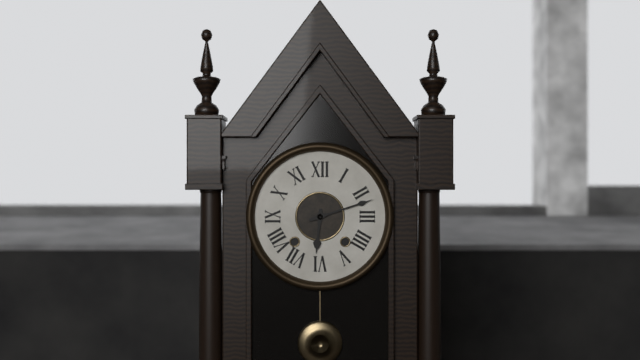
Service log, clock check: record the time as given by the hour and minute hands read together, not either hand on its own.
6:12
